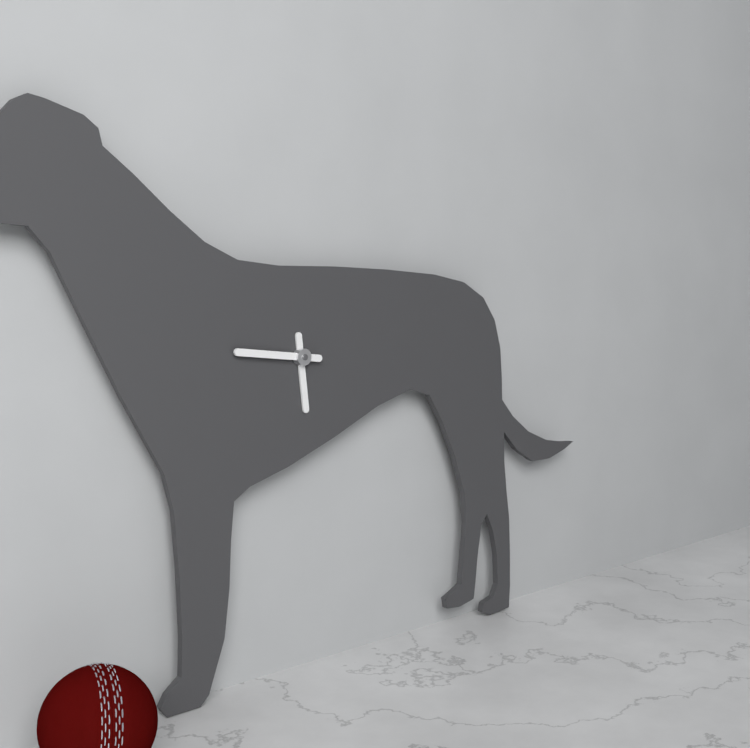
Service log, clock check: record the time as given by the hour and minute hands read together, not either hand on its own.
5:46
